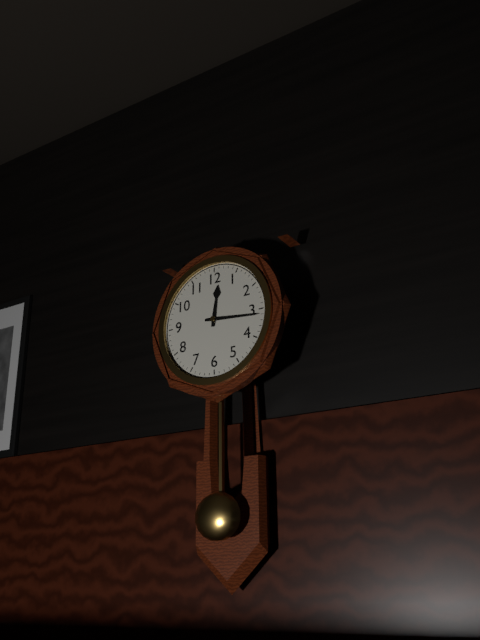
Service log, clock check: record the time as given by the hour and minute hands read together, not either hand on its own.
12:16
